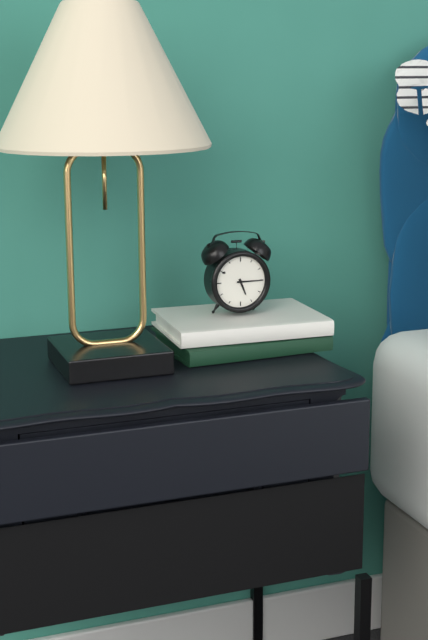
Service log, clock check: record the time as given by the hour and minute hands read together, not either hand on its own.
5:15
